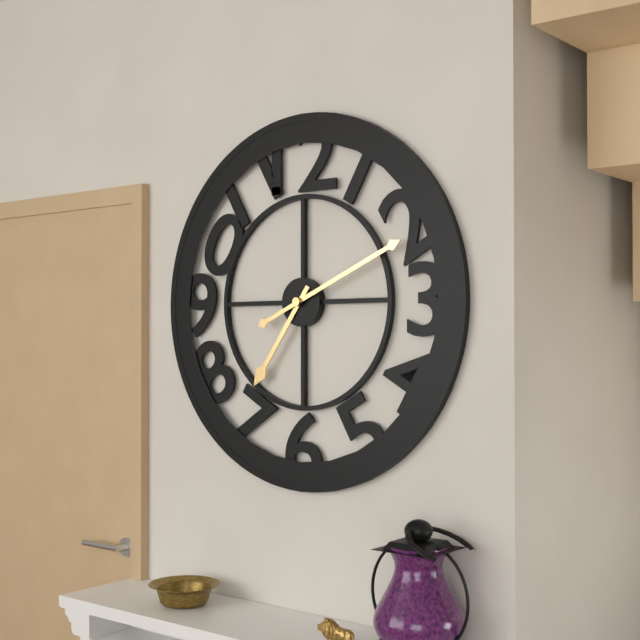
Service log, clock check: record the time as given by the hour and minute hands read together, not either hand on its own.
7:11
